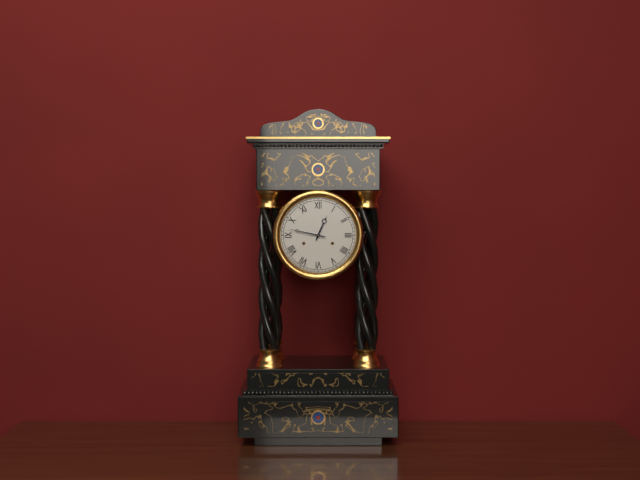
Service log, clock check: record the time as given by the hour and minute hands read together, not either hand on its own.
12:47
